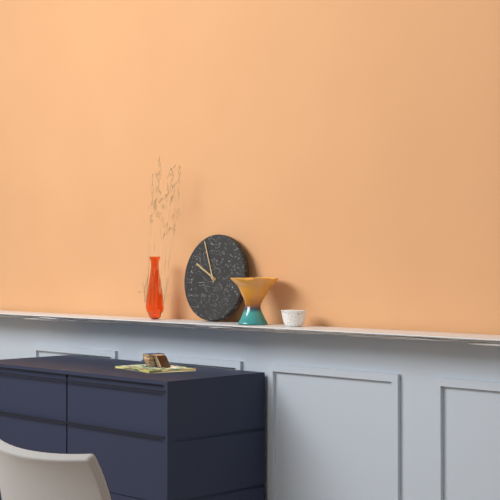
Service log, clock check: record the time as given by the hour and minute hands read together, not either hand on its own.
9:56
